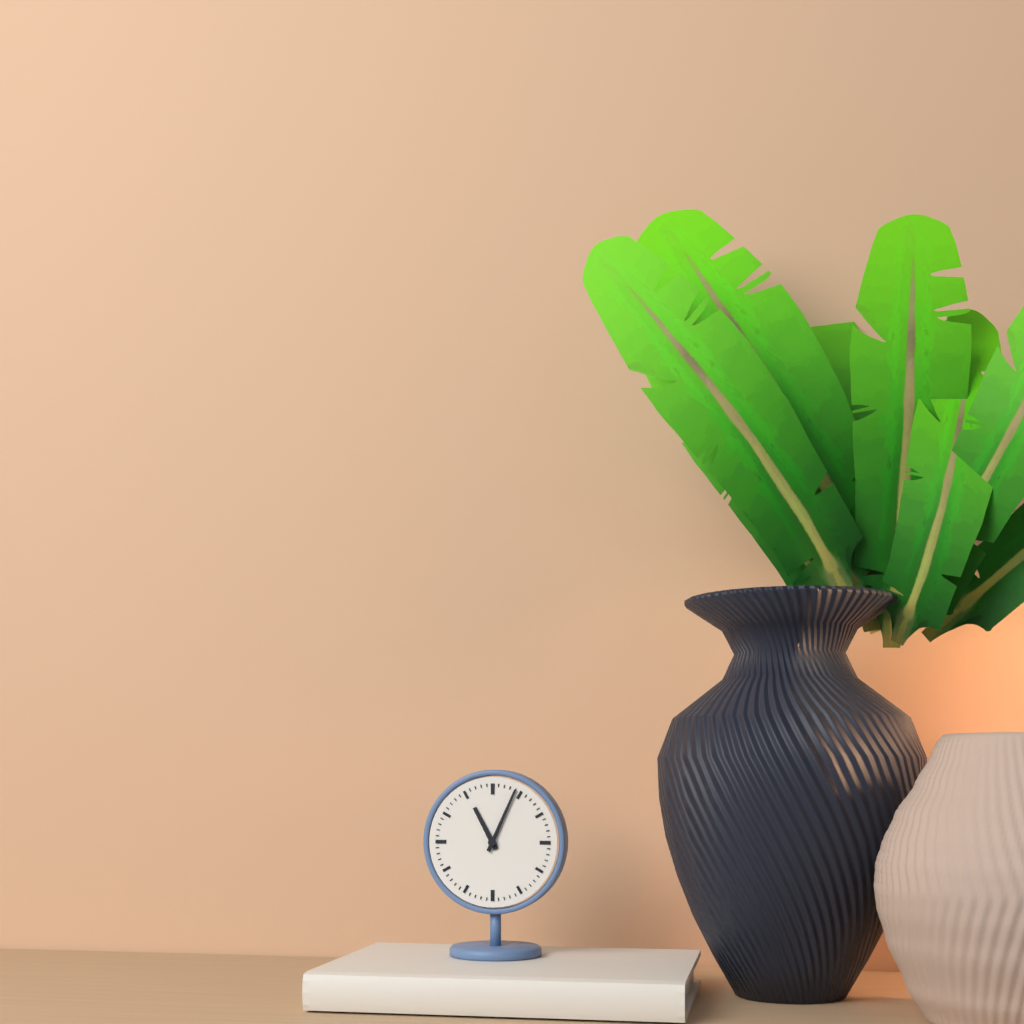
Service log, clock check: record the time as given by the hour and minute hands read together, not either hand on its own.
11:04
